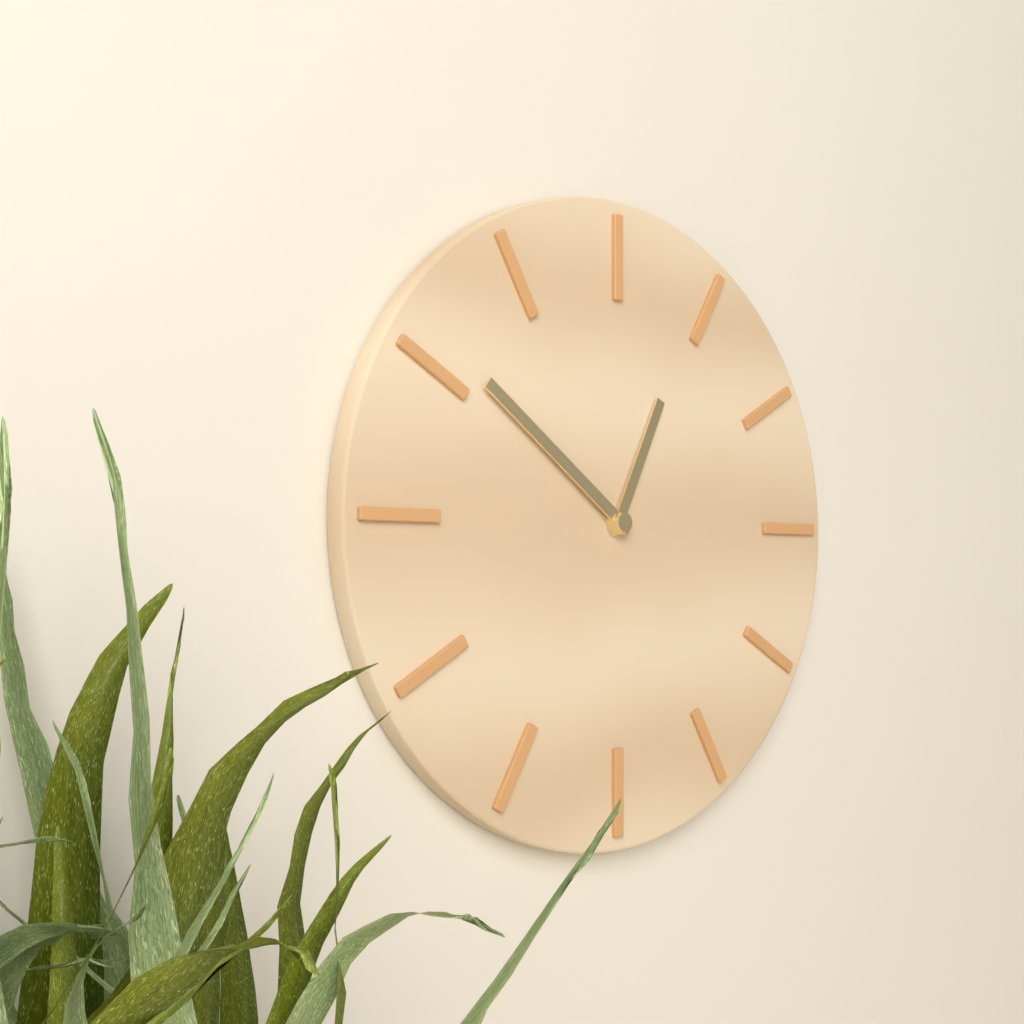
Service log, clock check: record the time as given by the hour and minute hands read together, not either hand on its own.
12:51
